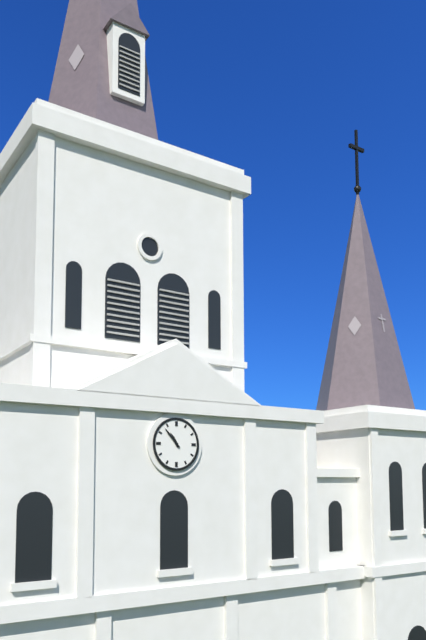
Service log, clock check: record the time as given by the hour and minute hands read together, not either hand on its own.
10:53
